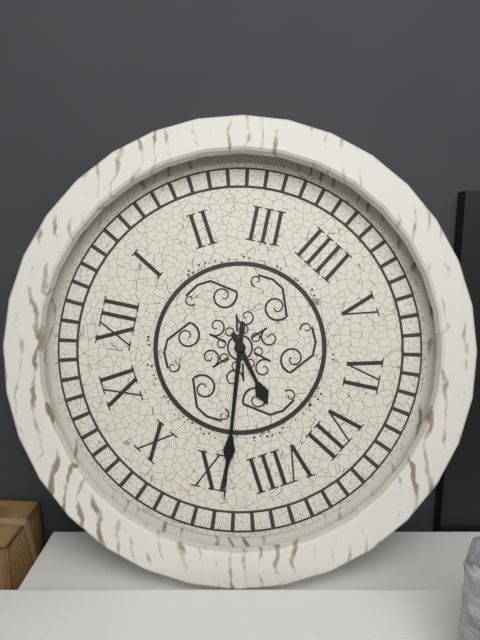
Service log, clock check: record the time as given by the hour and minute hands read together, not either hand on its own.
7:44
